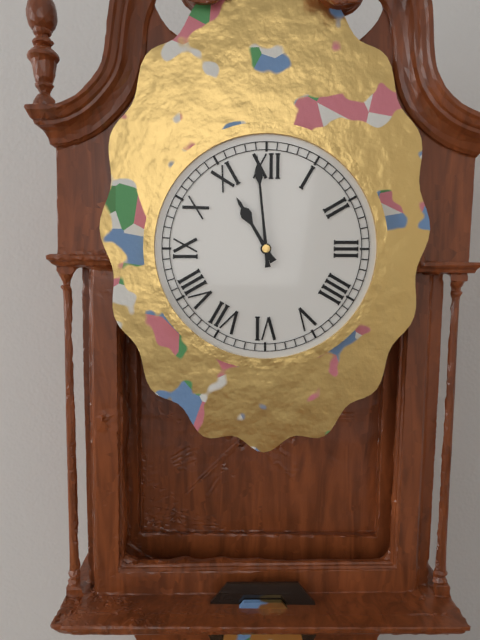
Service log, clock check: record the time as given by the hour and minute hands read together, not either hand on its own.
10:59
